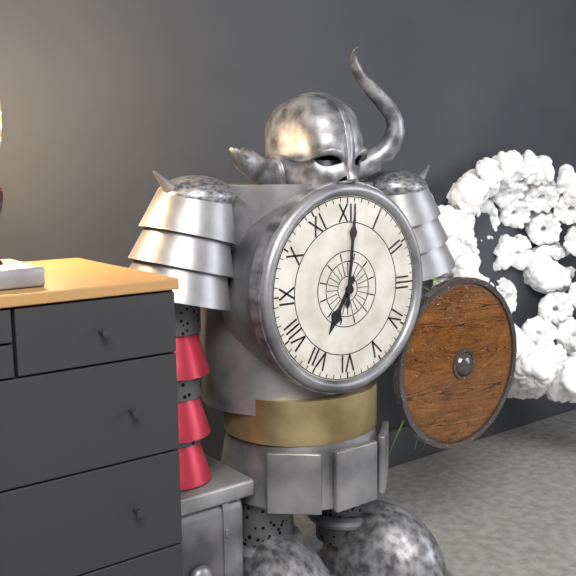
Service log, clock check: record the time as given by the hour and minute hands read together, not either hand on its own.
7:01
